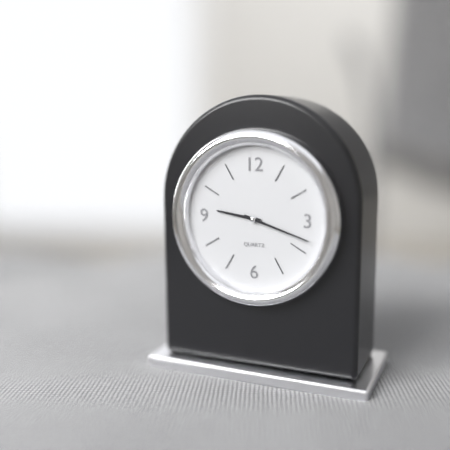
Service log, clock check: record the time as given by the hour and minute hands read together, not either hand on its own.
9:18
